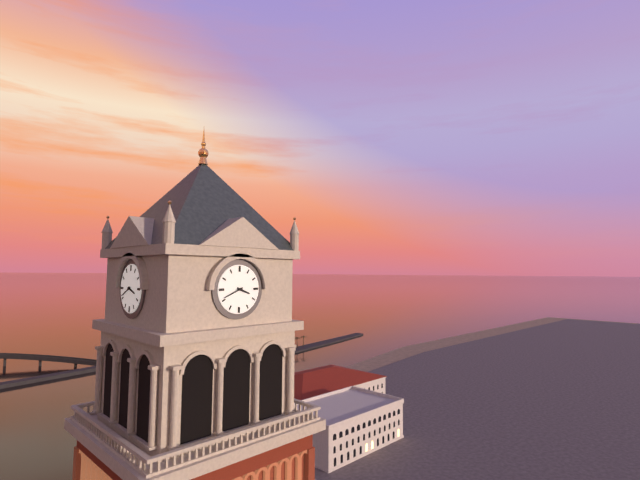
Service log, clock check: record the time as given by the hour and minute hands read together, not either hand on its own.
3:41
